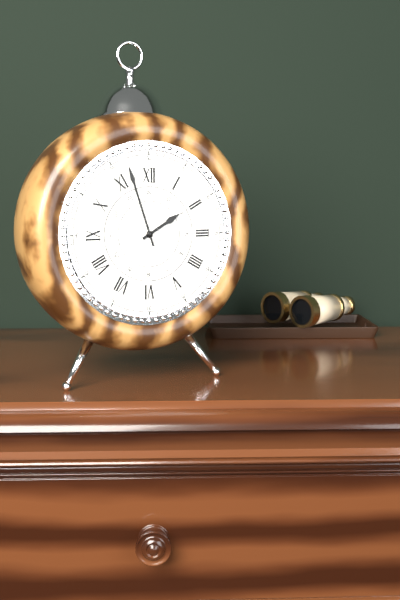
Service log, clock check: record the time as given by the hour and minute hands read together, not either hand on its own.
1:57
